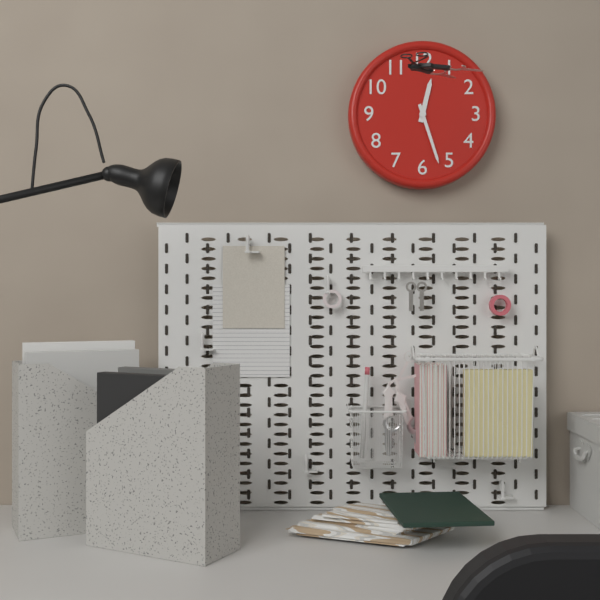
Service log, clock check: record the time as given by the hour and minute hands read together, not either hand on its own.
12:27
